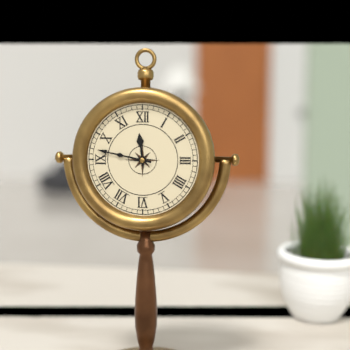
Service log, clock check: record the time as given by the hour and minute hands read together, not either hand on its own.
11:47
